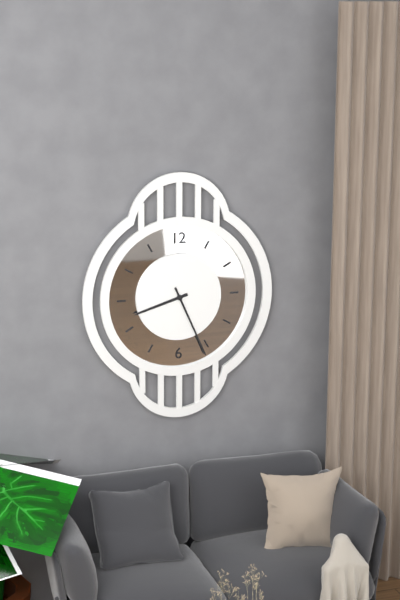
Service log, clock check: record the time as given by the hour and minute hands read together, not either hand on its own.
8:26
